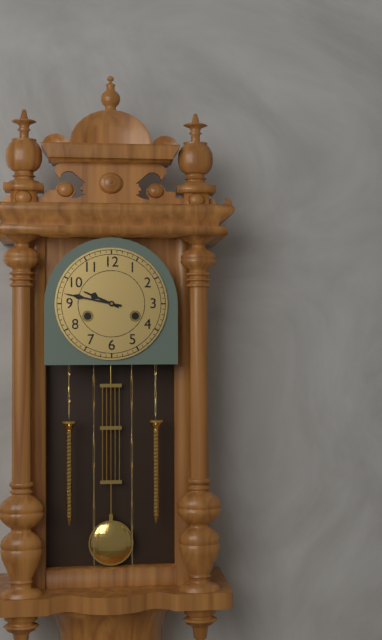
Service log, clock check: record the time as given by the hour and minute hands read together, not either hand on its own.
9:47
